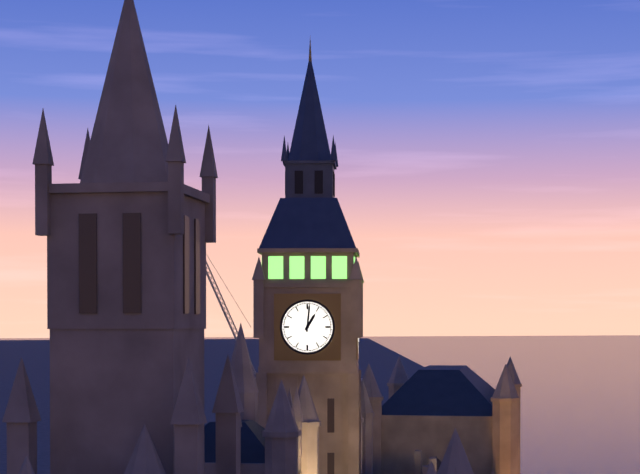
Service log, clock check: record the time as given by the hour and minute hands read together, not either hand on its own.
1:01
